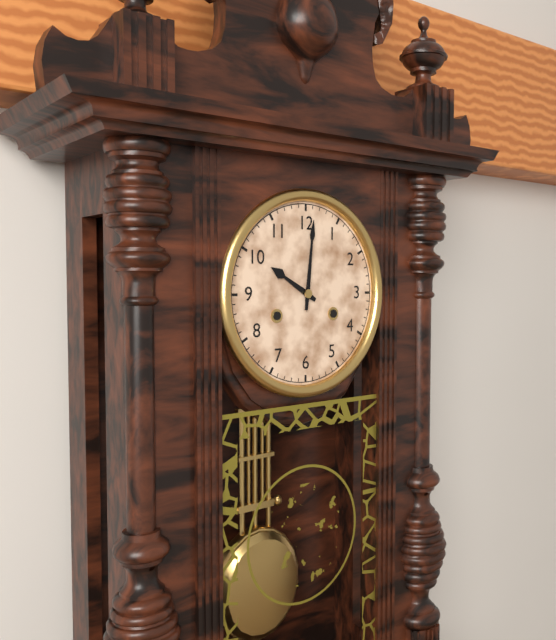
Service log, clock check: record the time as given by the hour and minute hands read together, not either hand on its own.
10:01
